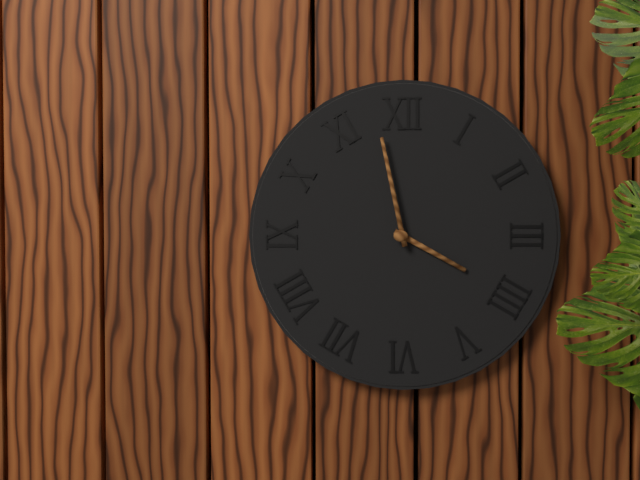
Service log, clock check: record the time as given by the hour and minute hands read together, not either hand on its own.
3:58
